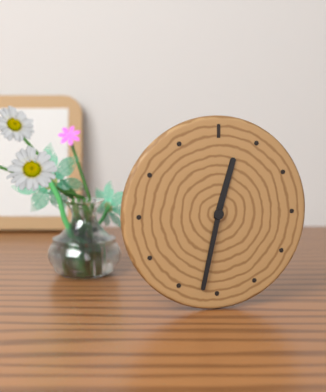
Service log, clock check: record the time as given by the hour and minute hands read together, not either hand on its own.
12:32
